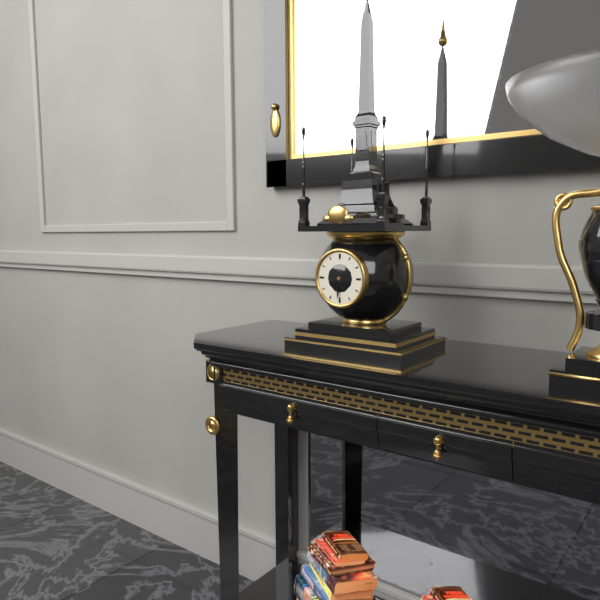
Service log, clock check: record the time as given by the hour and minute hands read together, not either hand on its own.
6:31
